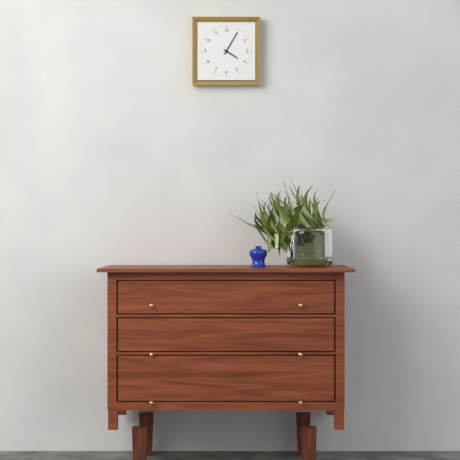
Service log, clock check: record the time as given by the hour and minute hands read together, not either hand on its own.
4:05
